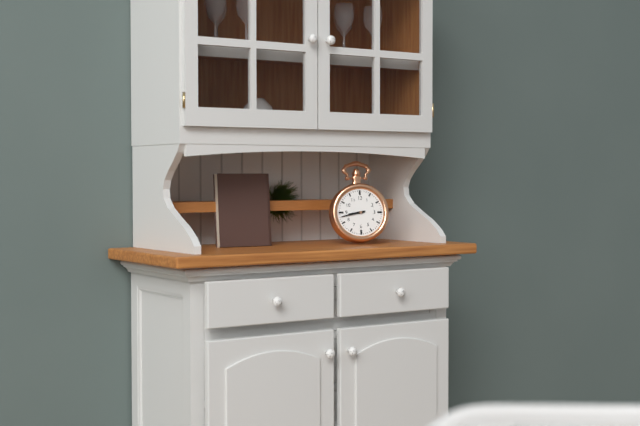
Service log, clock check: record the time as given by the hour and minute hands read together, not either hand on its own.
8:43
